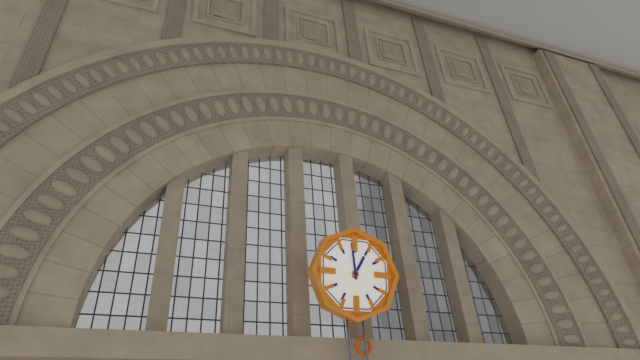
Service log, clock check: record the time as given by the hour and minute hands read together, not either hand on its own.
12:59
